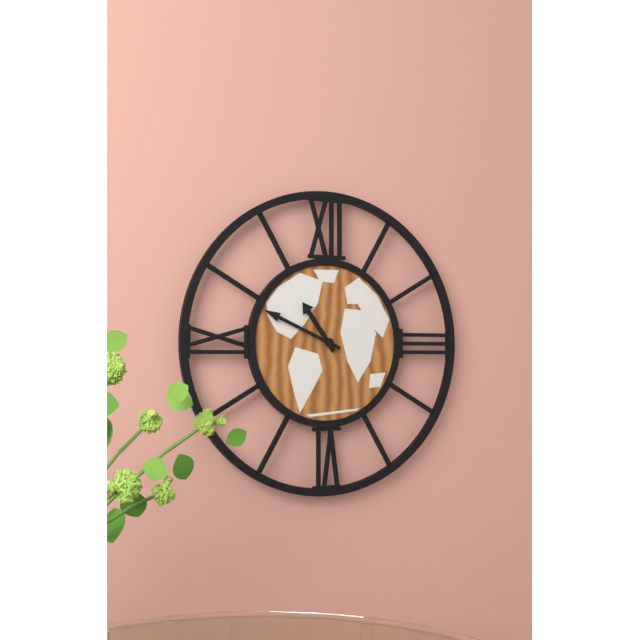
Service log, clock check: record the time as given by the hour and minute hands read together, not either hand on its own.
10:49
